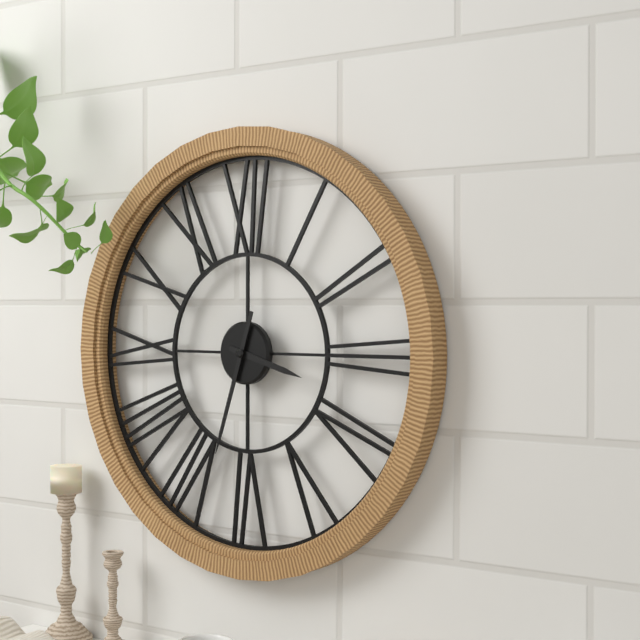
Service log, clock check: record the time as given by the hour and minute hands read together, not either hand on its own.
3:33
